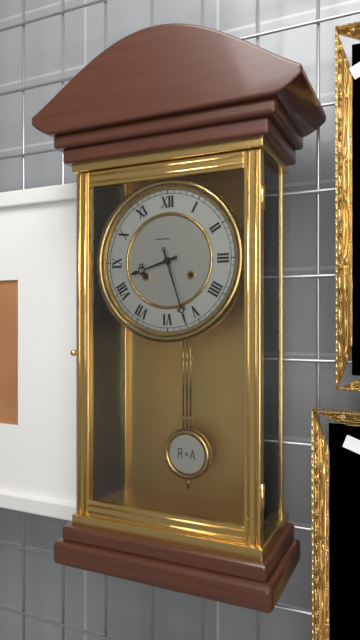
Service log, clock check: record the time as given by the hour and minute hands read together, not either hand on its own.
8:27
